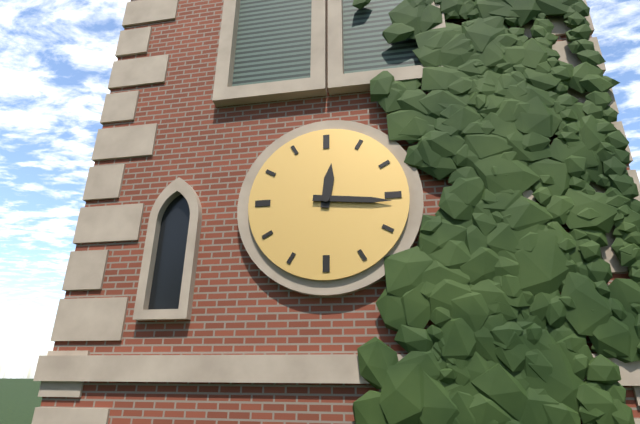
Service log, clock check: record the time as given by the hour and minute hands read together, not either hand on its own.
12:16
